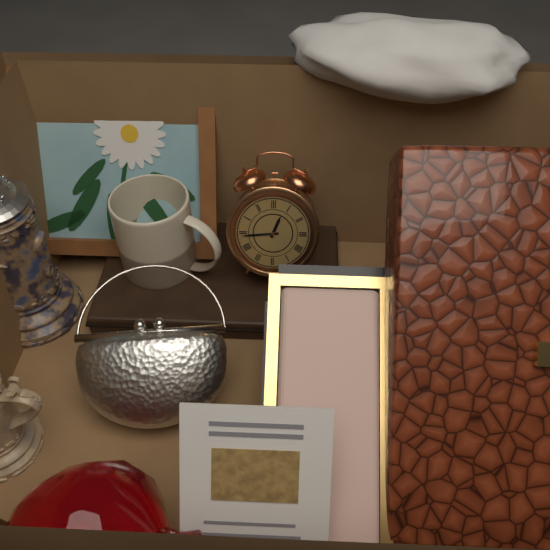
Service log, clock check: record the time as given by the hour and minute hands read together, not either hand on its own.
12:44
